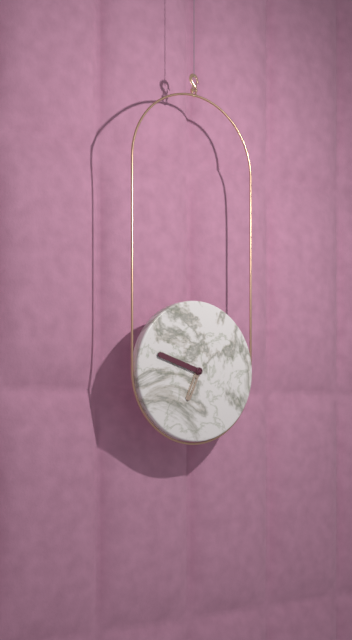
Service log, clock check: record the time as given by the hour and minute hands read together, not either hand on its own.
6:48
